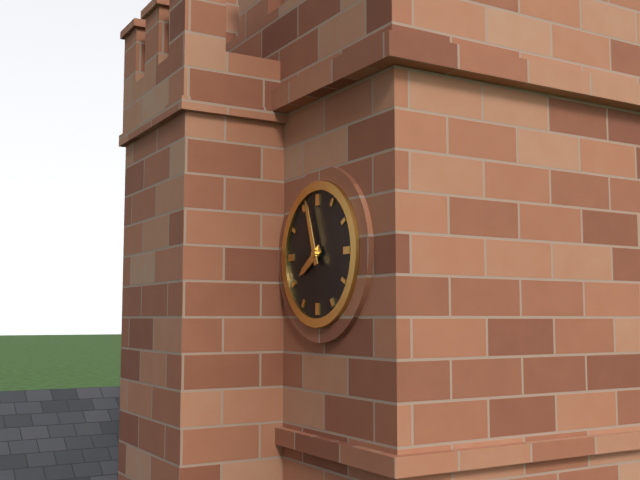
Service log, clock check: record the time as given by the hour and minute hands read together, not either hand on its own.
7:57
